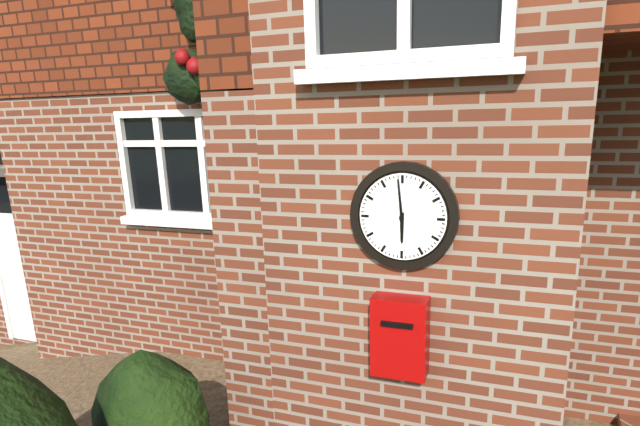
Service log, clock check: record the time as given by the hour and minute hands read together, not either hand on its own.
5:59
